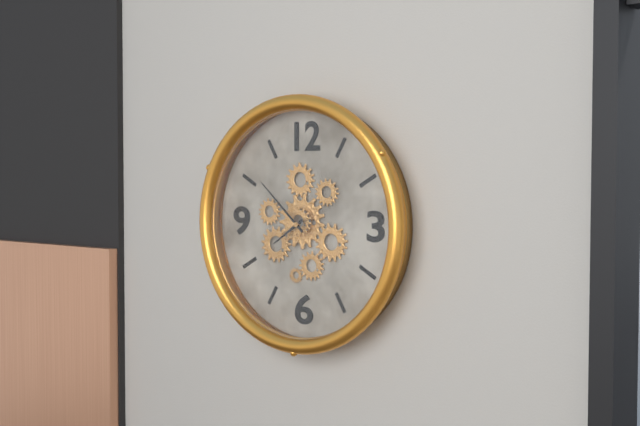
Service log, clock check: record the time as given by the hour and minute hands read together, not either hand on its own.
7:52
